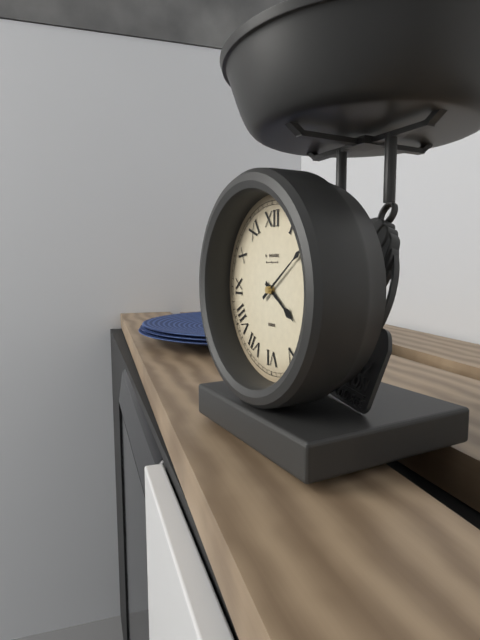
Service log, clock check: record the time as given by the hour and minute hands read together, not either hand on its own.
4:09
